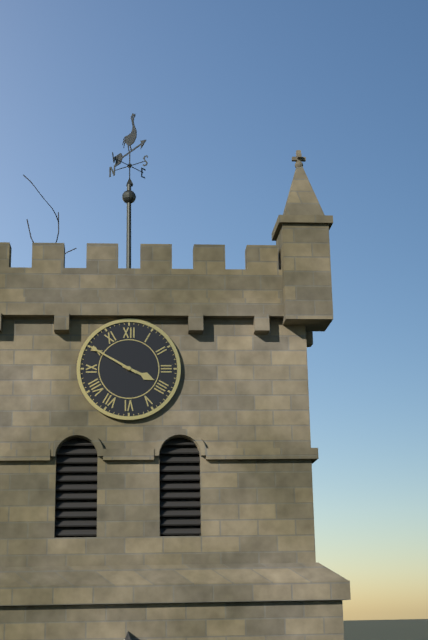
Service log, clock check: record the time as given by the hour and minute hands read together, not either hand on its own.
3:50
